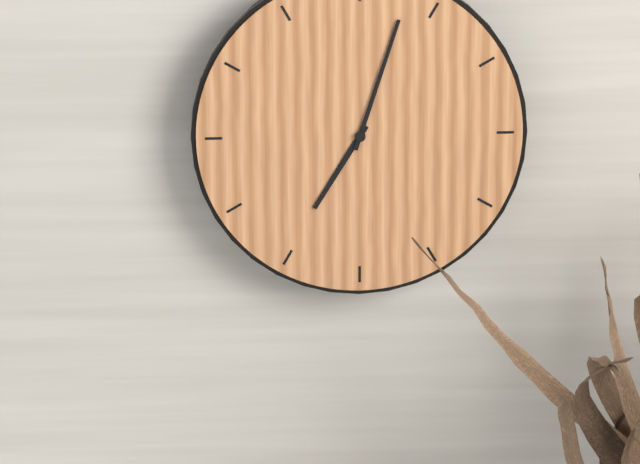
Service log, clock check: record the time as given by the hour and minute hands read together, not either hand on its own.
7:03
